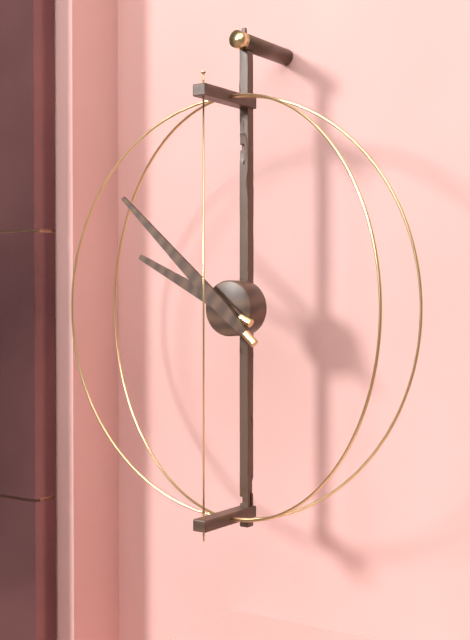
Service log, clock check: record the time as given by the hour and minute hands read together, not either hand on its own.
9:52
